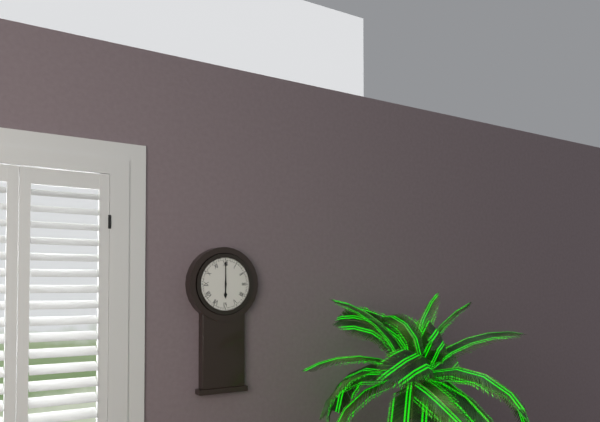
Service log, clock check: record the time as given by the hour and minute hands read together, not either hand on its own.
6:00
